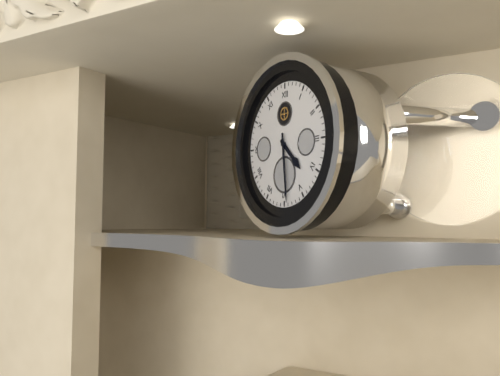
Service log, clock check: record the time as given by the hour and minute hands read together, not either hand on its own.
4:29
